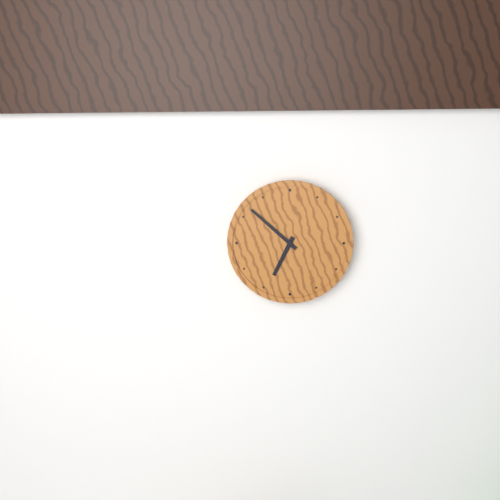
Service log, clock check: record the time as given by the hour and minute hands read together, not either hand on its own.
6:52
